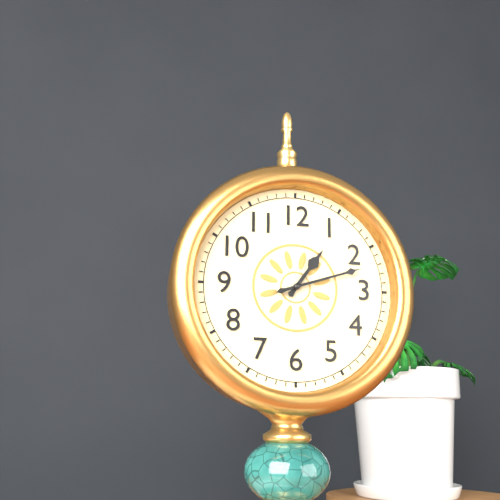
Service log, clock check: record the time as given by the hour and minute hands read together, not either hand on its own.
1:12
